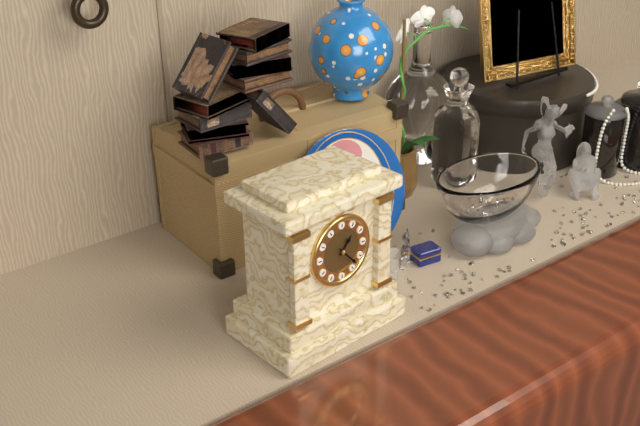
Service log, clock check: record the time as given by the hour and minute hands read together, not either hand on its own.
1:23
